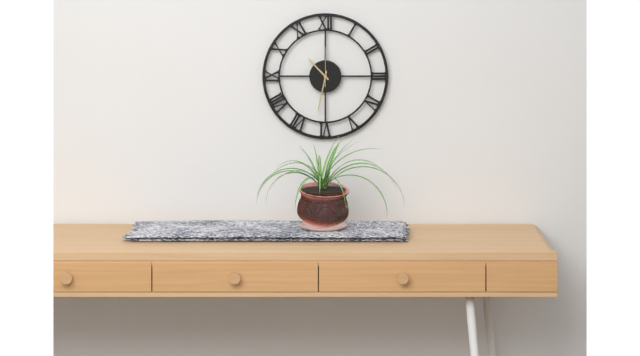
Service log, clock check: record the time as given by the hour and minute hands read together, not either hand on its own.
10:32
